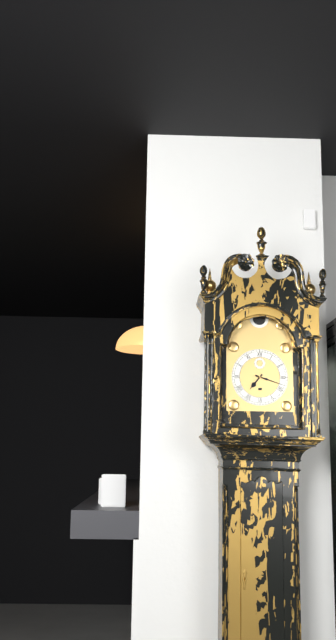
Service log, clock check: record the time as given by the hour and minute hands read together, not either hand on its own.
7:18
